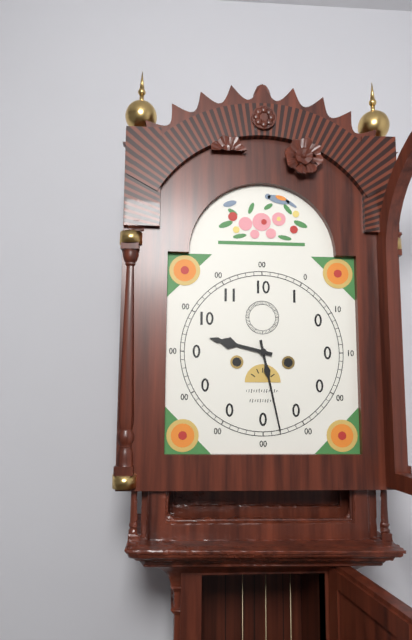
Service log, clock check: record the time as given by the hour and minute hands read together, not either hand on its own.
9:28
